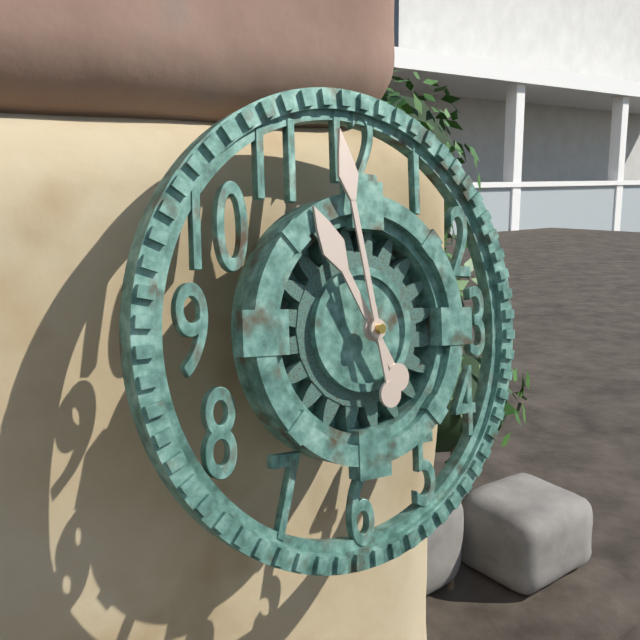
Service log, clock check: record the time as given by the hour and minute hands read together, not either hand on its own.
10:58
